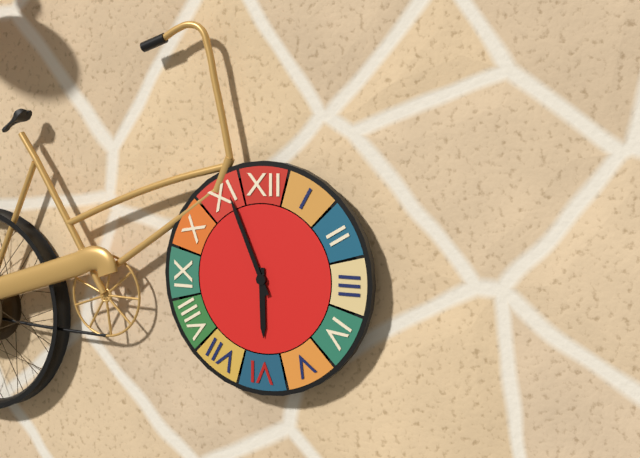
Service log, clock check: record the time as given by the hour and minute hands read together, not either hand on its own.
5:56
